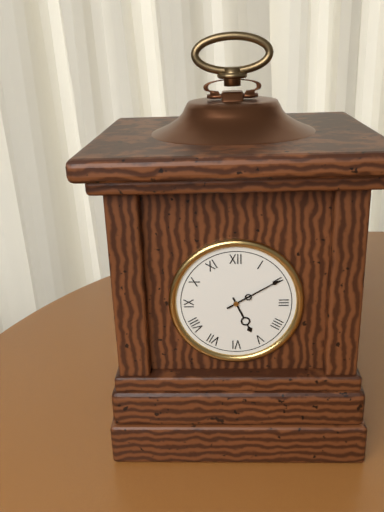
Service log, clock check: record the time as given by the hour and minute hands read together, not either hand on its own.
5:10
